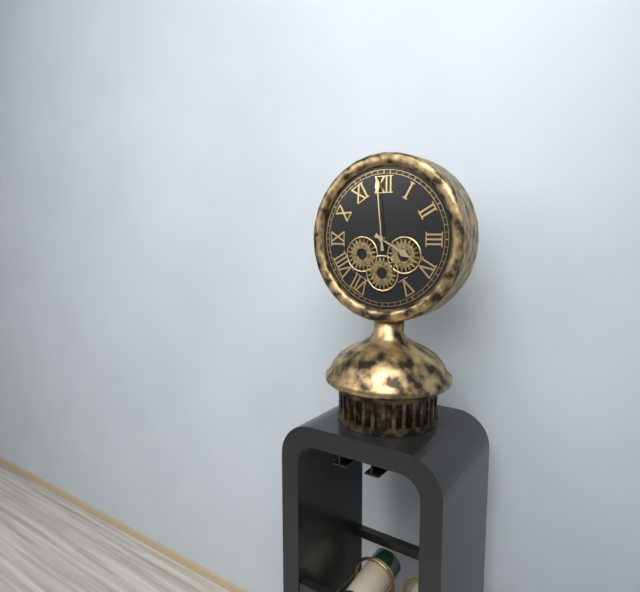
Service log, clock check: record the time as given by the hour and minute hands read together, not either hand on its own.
3:59
